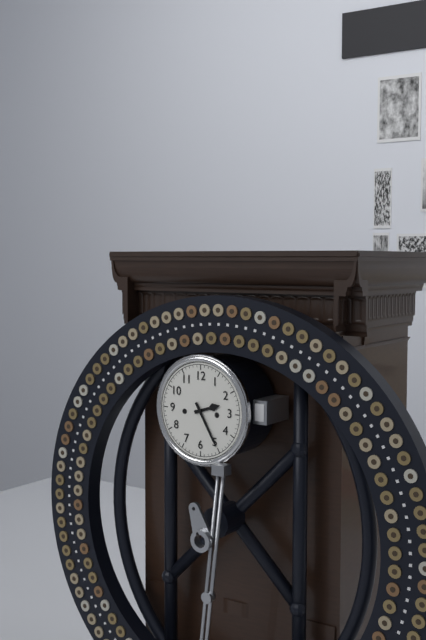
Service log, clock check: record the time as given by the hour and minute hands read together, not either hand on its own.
2:25
